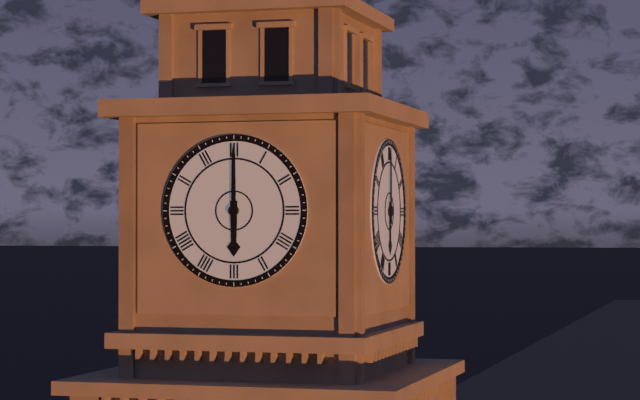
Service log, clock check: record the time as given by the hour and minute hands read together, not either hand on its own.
6:00
